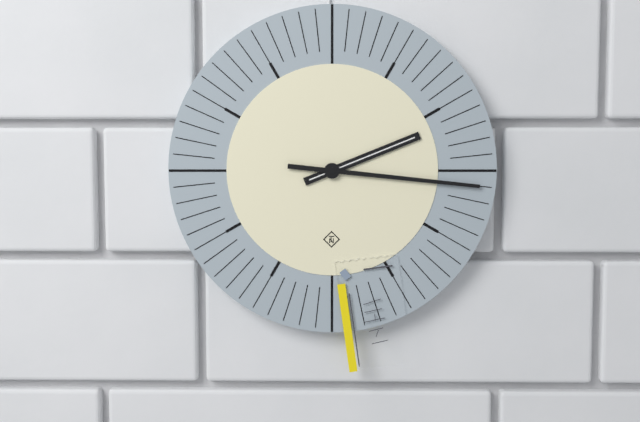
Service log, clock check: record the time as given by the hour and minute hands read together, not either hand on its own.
2:16
